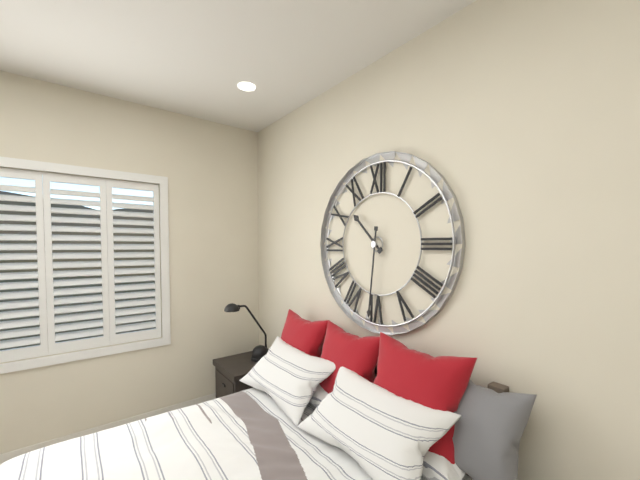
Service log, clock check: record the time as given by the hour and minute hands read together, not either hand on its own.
10:31
